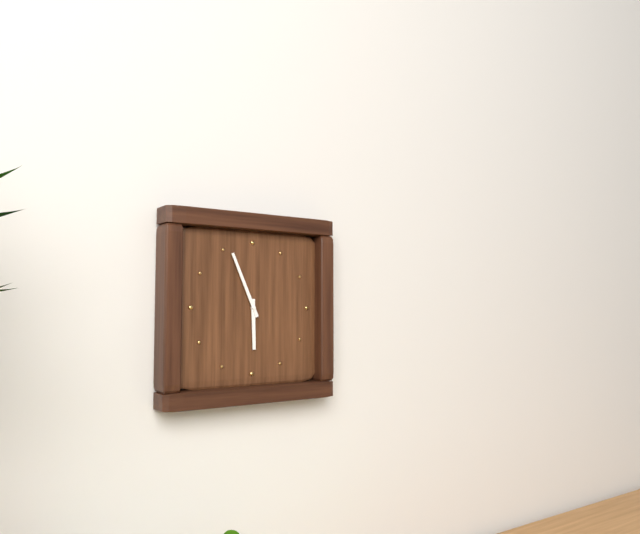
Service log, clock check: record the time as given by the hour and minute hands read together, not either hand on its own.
5:56
